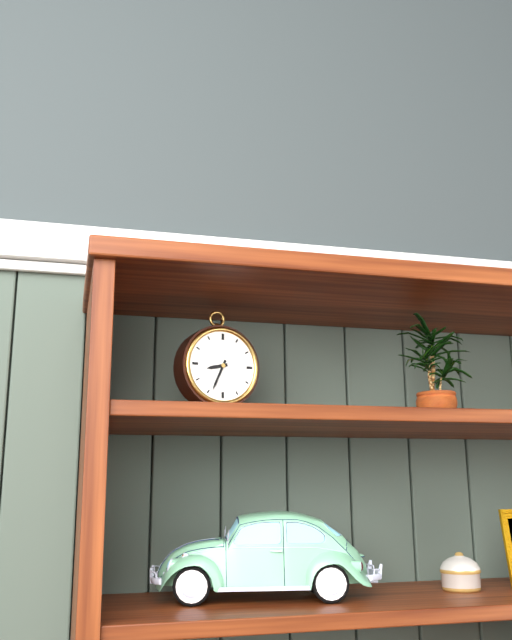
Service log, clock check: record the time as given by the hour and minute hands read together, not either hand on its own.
8:34
